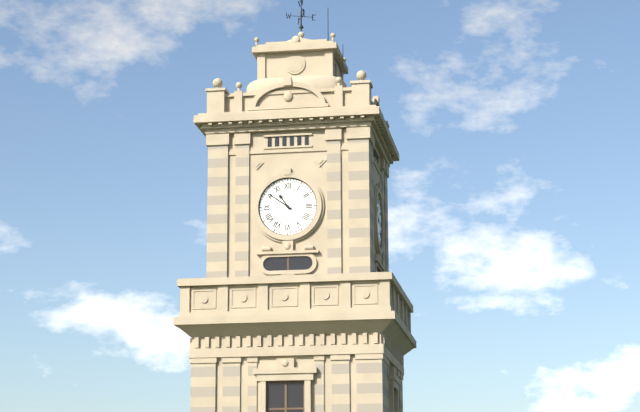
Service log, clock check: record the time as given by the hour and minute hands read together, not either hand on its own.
10:51
